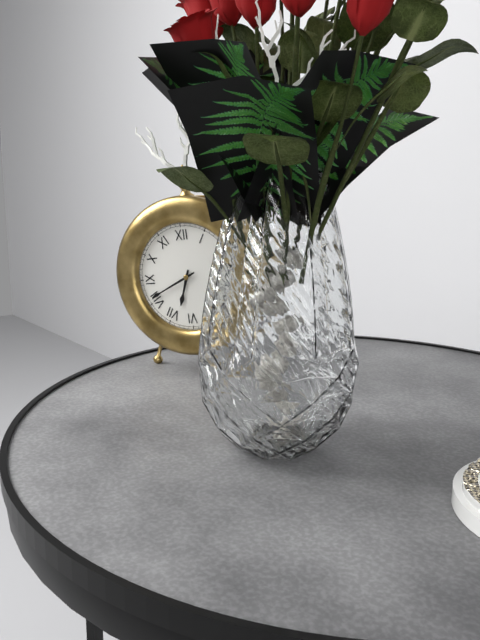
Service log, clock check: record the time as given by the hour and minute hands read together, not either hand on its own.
6:41
